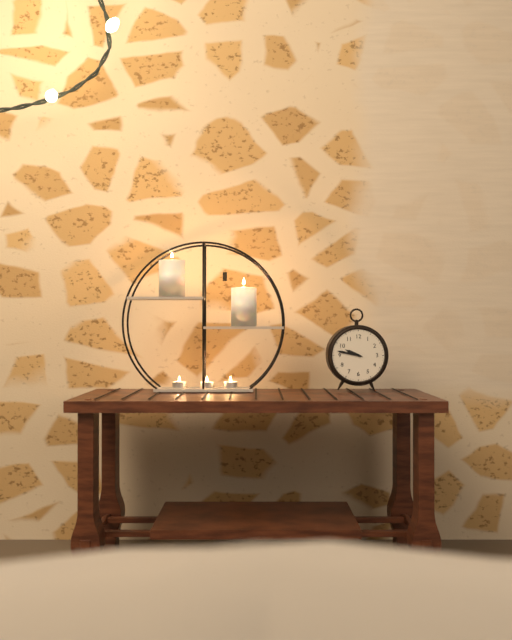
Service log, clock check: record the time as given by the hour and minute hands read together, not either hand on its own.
9:47
